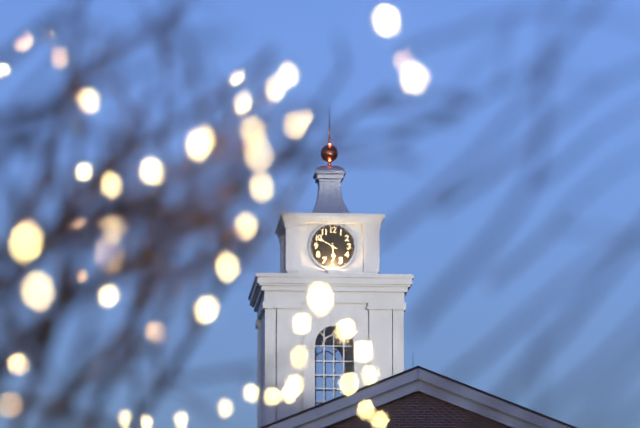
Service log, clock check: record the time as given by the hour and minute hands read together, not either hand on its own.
5:50
